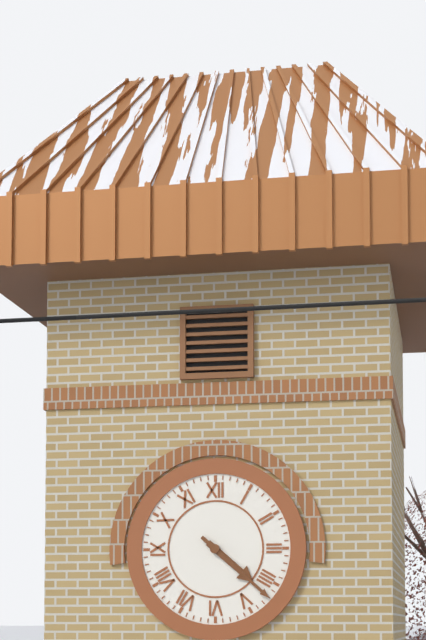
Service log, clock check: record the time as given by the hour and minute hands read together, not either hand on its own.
4:22
